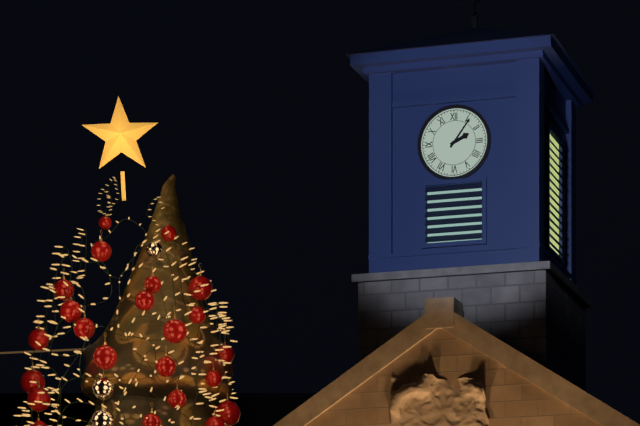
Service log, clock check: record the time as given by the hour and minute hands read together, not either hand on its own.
2:06
